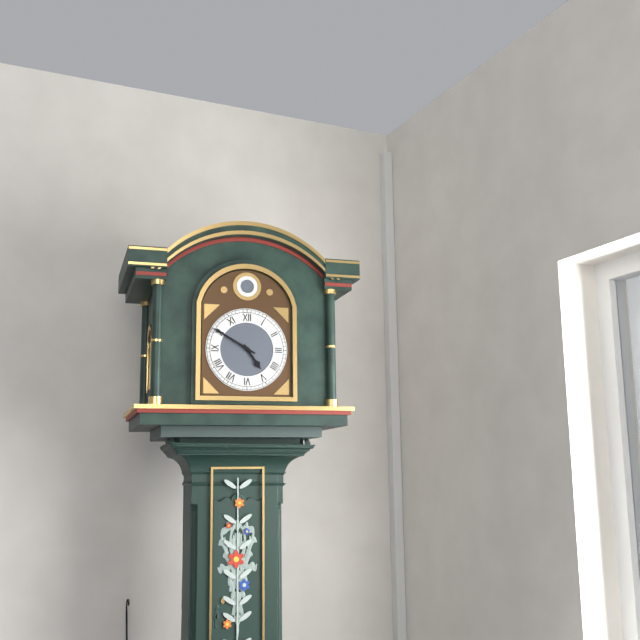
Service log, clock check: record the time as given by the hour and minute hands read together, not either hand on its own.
4:50
